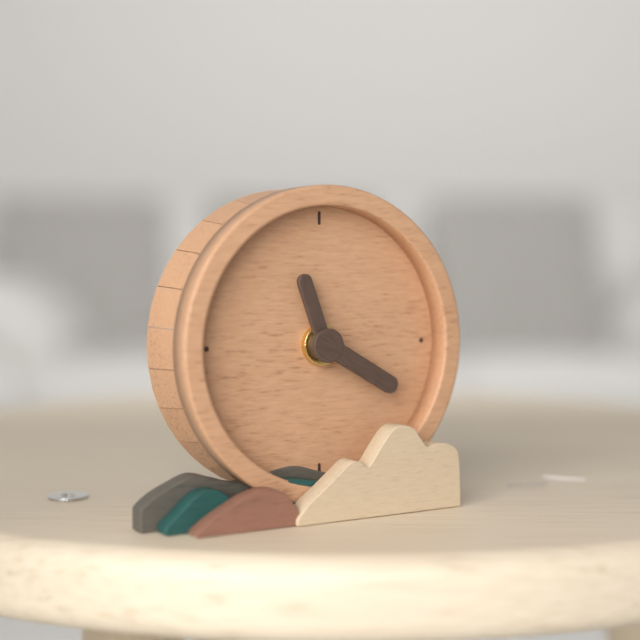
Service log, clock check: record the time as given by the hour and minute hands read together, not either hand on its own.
11:20
